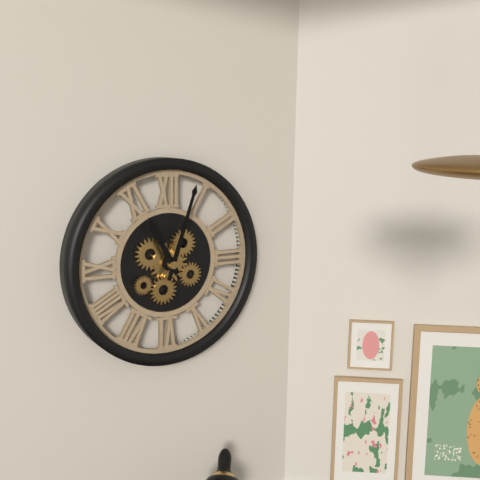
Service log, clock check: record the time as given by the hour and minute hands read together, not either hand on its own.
11:03
